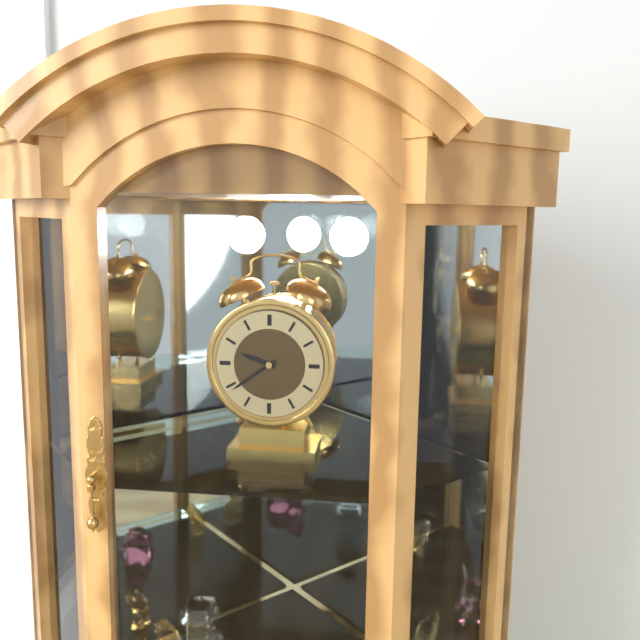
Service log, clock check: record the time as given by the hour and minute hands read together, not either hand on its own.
9:39
